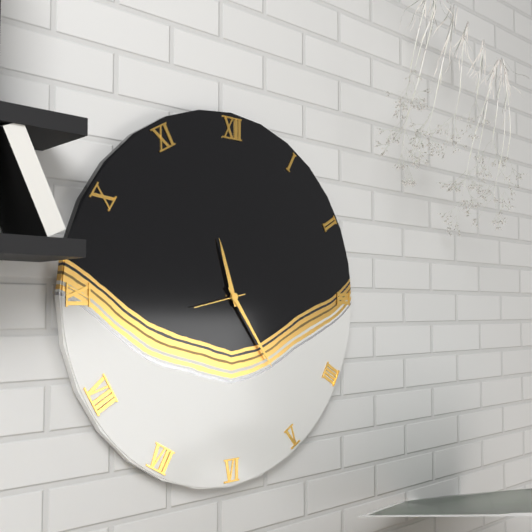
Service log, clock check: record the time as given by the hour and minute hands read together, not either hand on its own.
11:24
